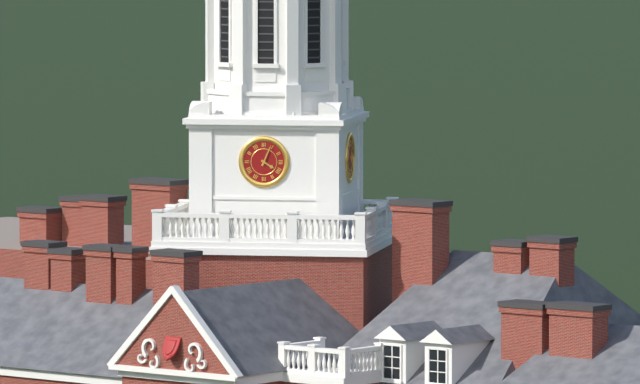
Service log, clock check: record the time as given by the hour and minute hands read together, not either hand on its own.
4:04
